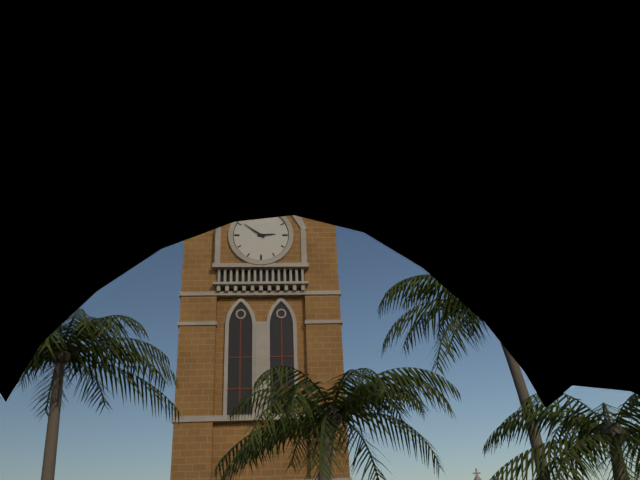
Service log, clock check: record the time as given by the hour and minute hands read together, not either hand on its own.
2:51
